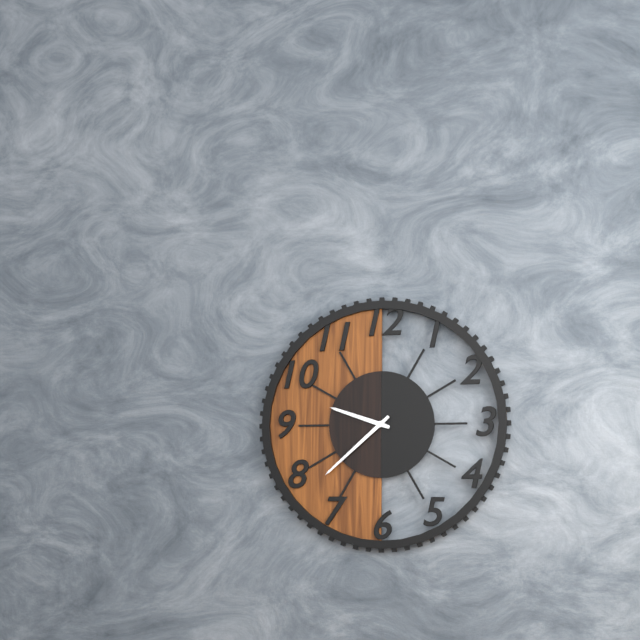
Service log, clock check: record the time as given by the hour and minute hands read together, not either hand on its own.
9:38
